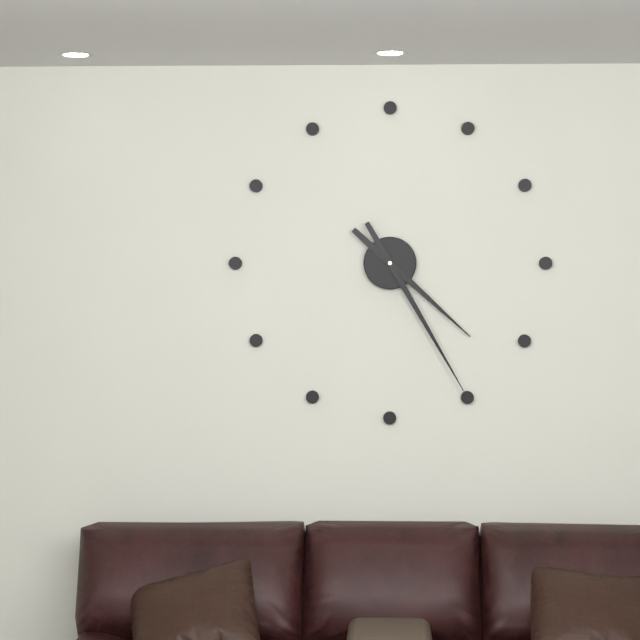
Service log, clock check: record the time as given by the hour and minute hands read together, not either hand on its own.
4:25
